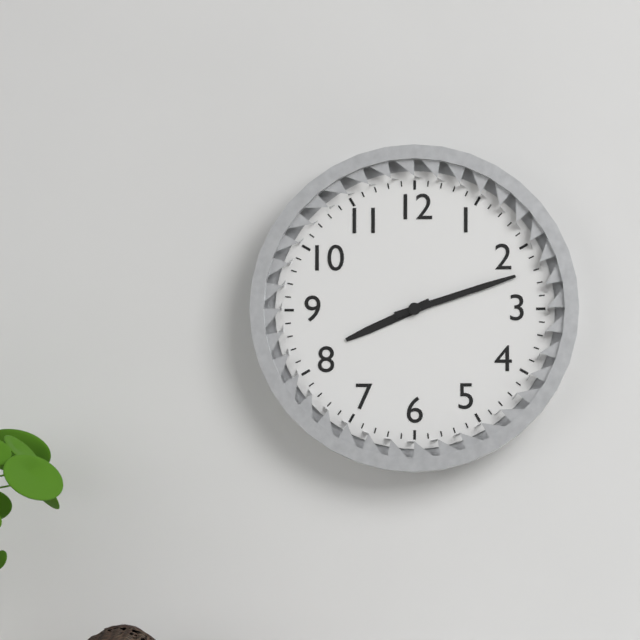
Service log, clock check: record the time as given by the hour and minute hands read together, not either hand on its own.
8:12
